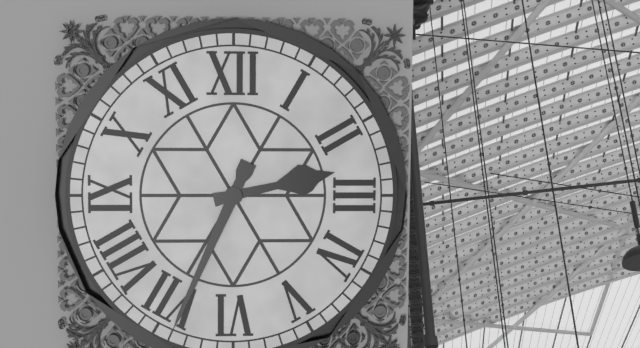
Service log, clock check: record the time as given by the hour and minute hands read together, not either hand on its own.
2:34
